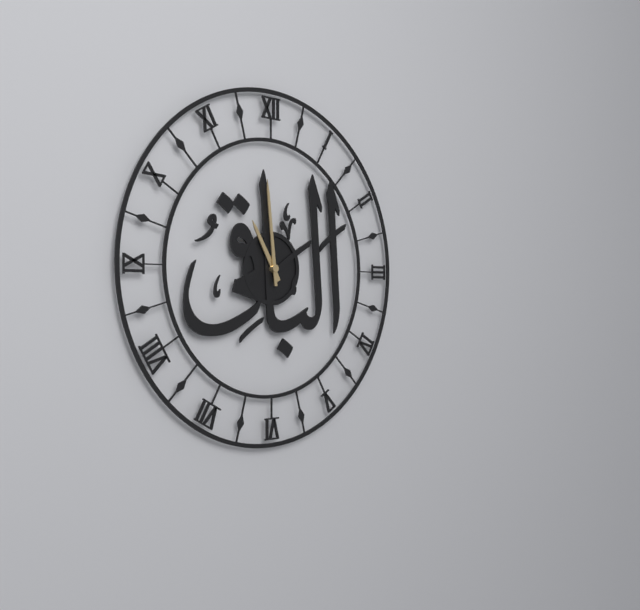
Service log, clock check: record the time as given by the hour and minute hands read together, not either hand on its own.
10:59
